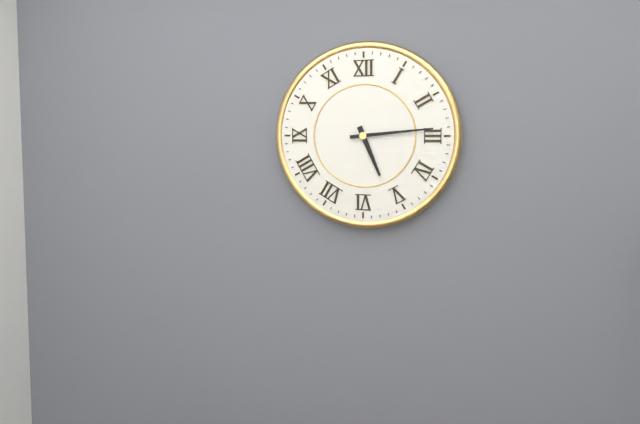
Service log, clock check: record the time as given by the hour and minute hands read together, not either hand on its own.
5:14
